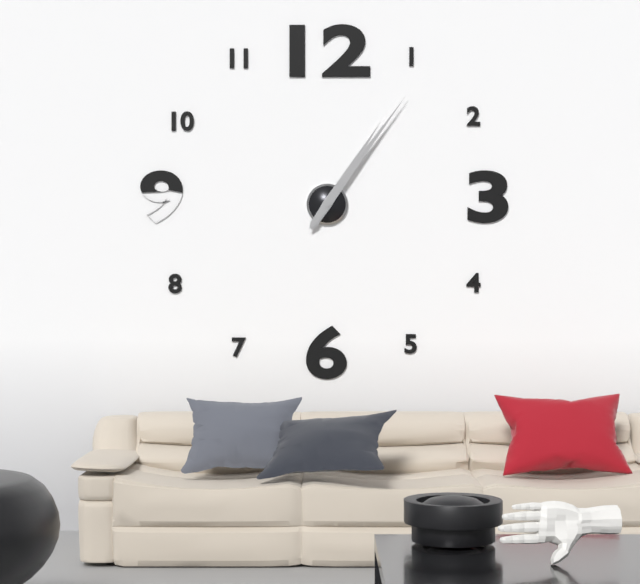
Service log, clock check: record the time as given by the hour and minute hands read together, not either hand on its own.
1:06
